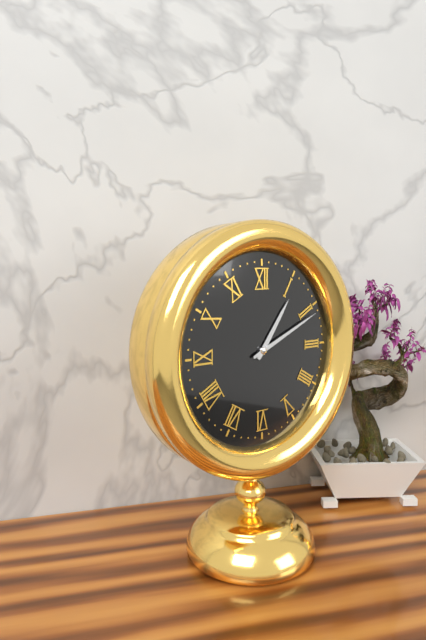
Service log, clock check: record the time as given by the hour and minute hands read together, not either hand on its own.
1:11
